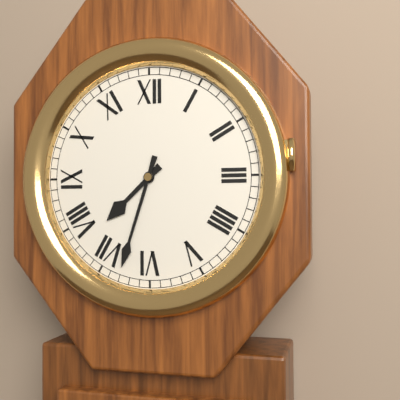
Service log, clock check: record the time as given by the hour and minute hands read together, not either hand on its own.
7:33
